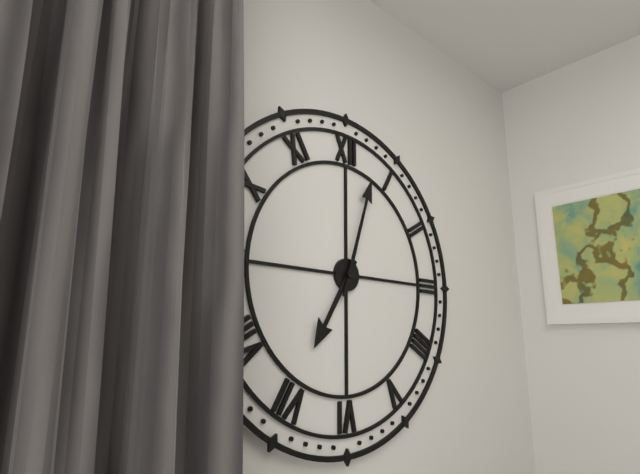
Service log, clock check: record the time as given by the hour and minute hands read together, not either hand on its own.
7:03
